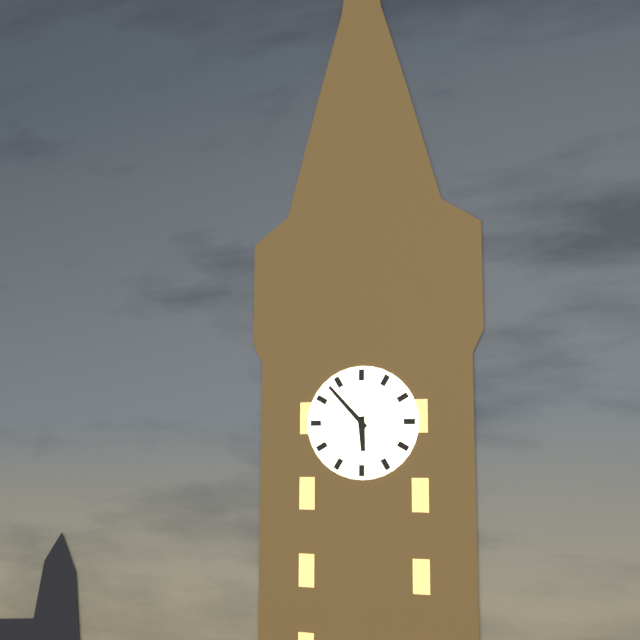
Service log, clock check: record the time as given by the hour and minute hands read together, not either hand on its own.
5:53
